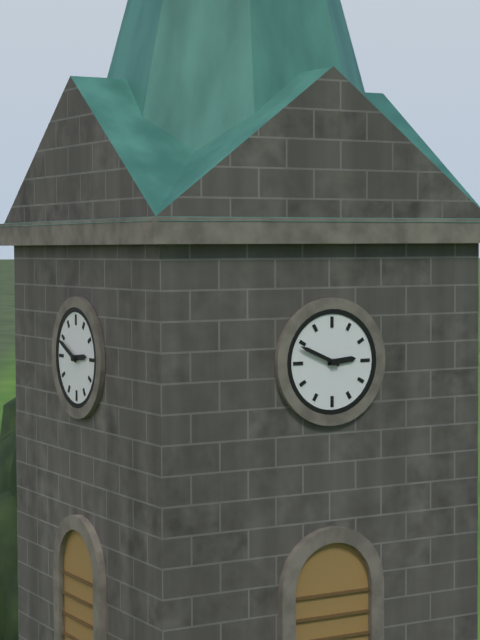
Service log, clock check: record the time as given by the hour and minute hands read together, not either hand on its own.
2:49
